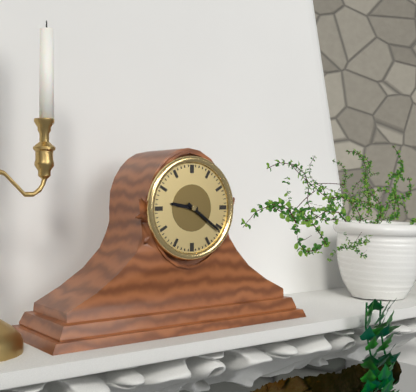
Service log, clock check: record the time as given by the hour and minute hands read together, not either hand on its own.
9:21
